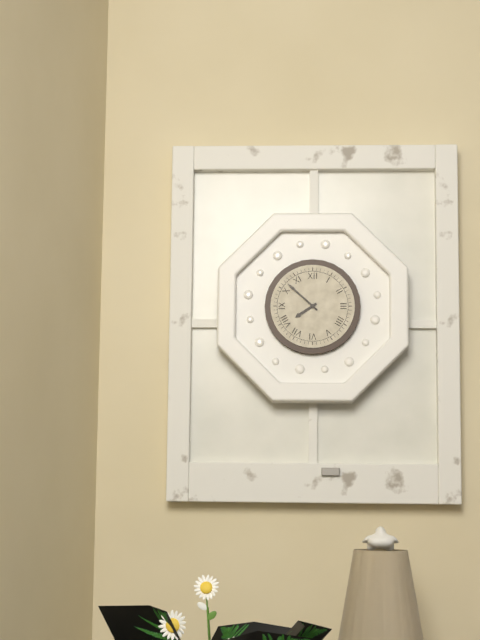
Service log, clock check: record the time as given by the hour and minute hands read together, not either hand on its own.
7:52
